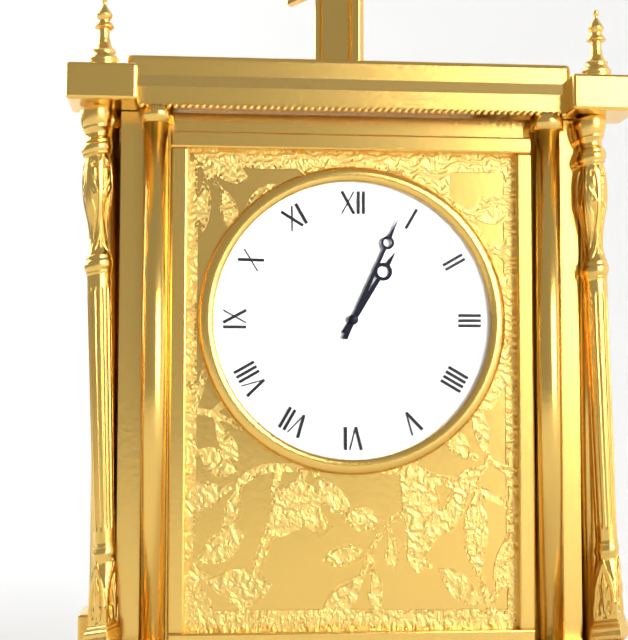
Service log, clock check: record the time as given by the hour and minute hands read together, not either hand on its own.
1:04
